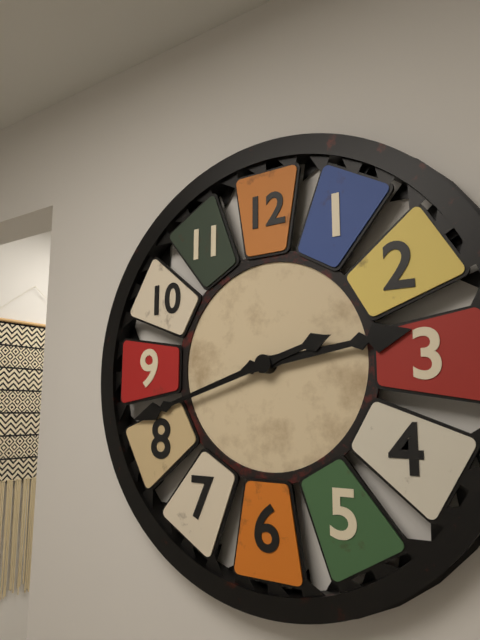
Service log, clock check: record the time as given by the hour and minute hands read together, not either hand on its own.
2:42
